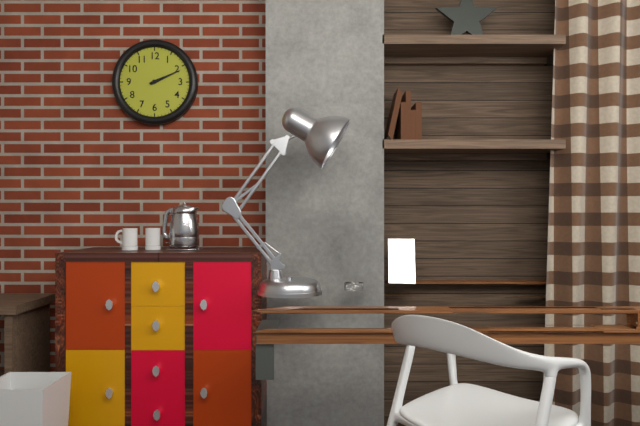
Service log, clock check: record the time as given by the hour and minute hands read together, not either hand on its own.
2:11
